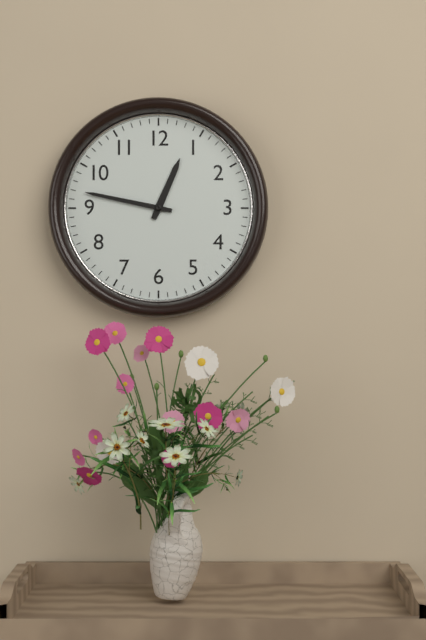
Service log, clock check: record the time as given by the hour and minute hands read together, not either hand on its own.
12:47
